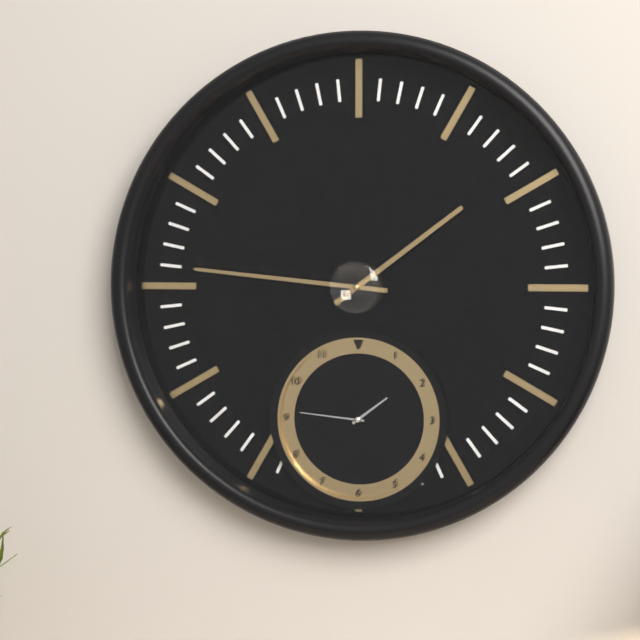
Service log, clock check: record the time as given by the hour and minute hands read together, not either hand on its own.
1:46
